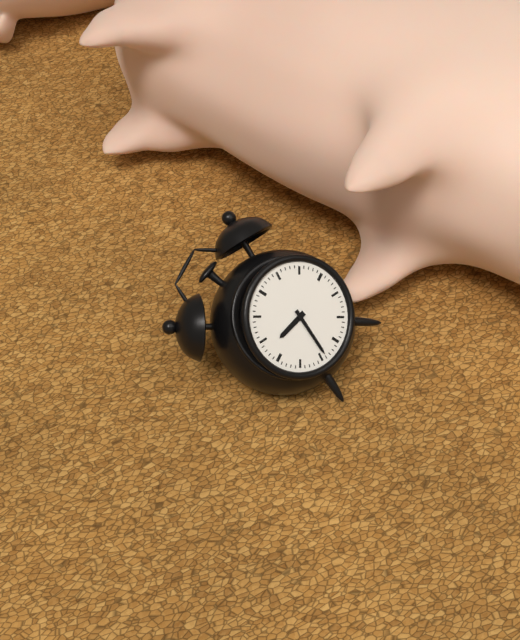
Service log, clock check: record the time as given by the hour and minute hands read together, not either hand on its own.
9:34
